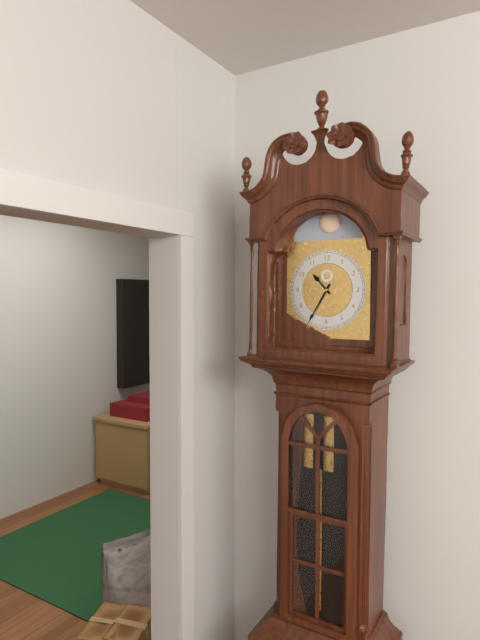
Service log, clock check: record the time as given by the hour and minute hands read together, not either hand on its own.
10:35
